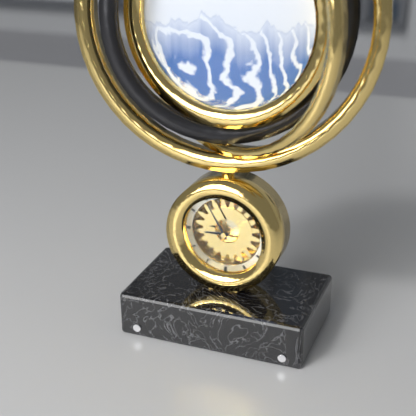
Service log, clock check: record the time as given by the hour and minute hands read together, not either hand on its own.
8:55
